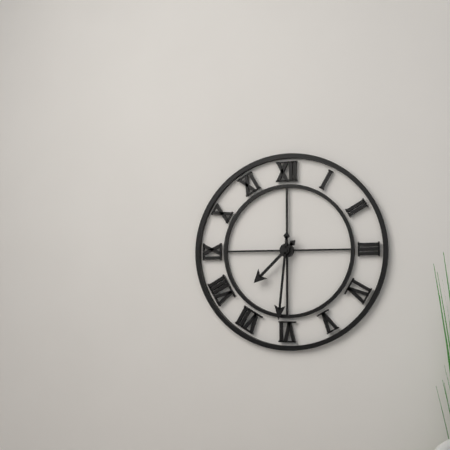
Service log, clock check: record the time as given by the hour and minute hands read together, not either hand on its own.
7:31
